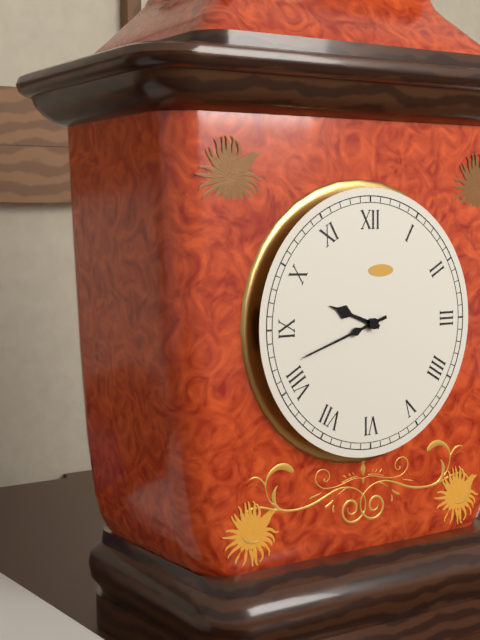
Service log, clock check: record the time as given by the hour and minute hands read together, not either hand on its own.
9:42
